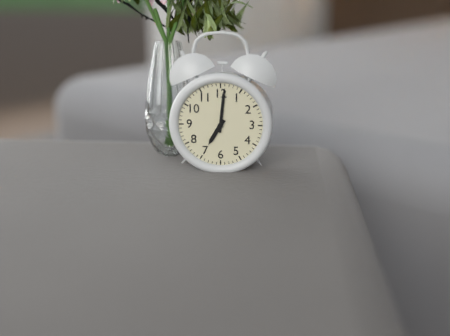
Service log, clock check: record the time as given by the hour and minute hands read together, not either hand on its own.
7:01
